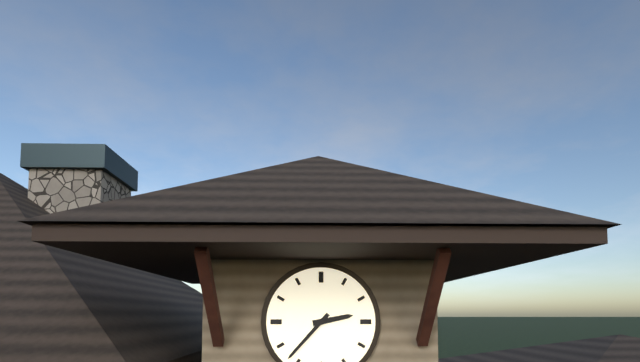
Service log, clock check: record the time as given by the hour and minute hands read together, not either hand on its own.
2:37
